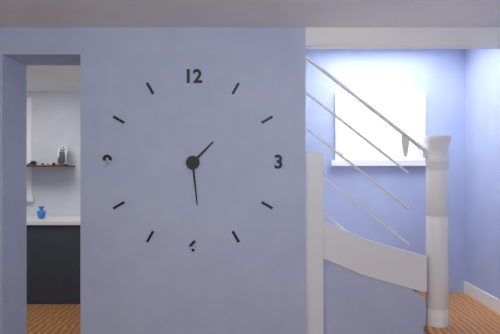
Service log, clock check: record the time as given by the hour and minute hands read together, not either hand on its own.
1:29
